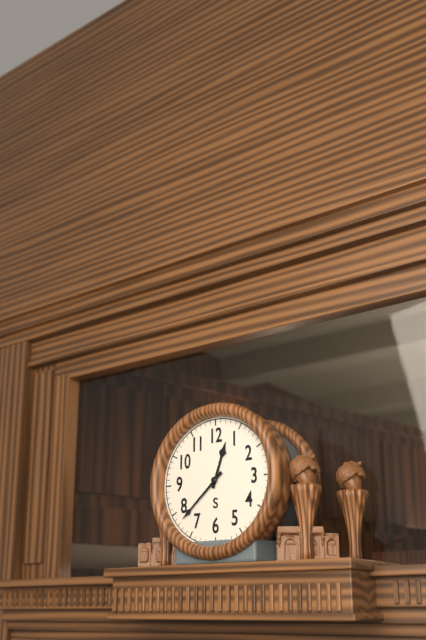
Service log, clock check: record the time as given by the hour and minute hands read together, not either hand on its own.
12:38
